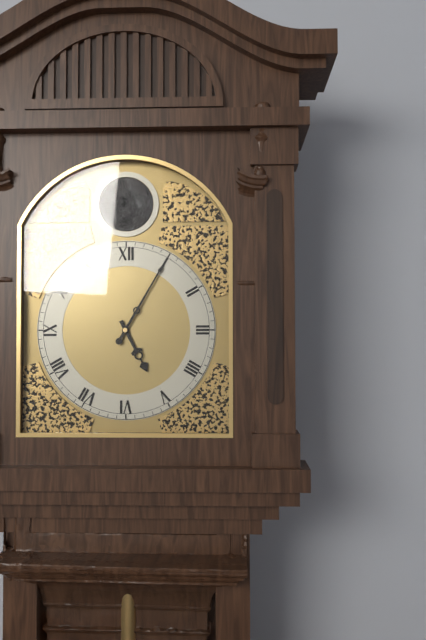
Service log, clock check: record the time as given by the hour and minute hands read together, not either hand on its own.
5:05
